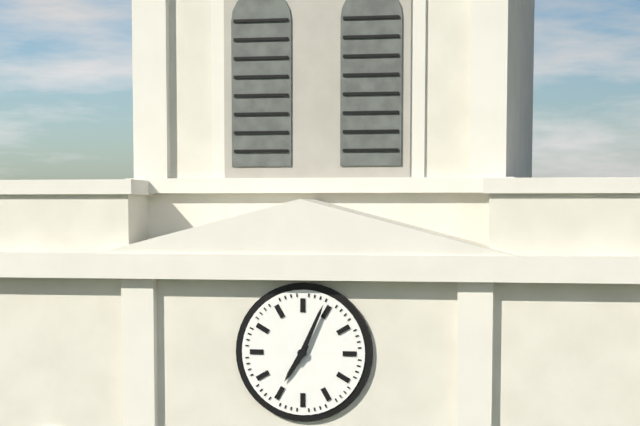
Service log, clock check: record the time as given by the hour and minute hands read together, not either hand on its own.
7:04
